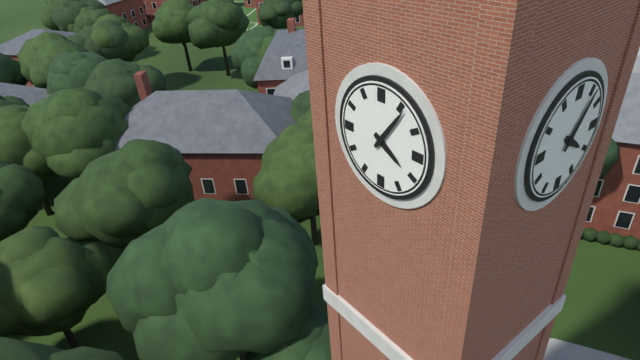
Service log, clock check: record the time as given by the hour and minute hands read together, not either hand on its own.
4:06
